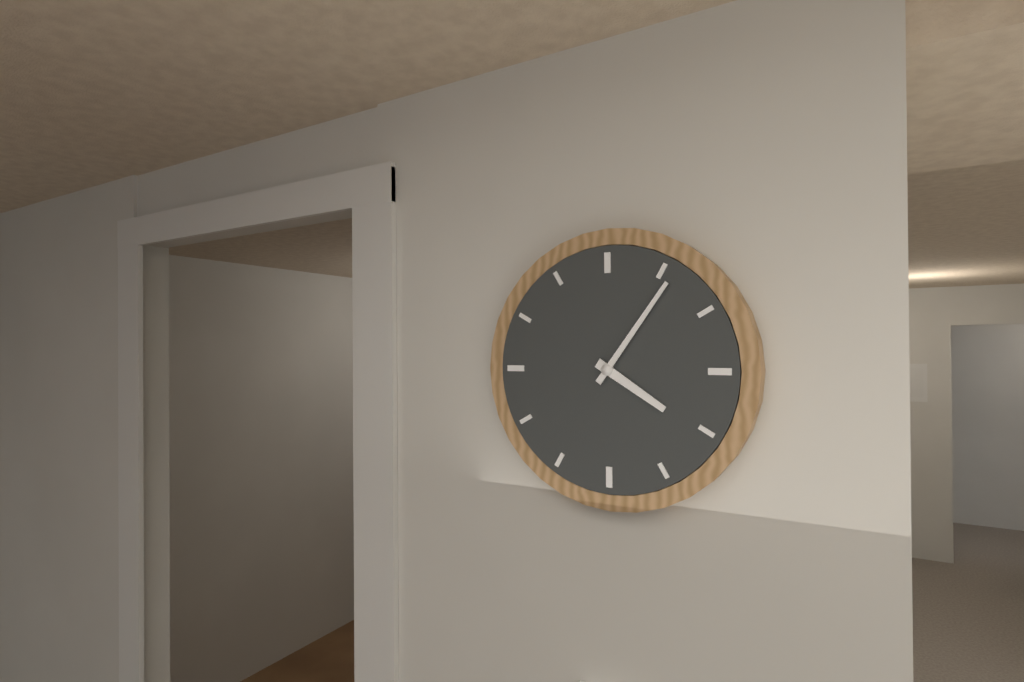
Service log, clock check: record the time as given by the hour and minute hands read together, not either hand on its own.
4:06
